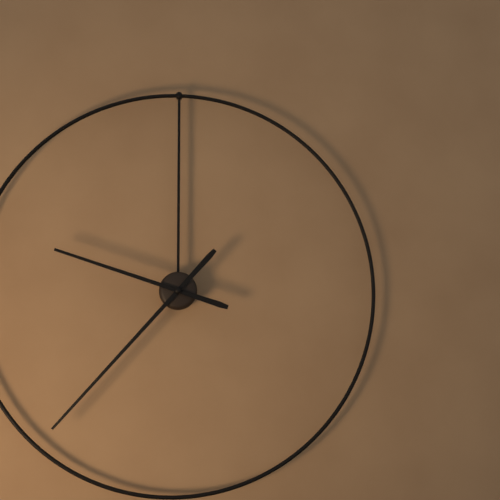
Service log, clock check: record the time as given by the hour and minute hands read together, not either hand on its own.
9:37
